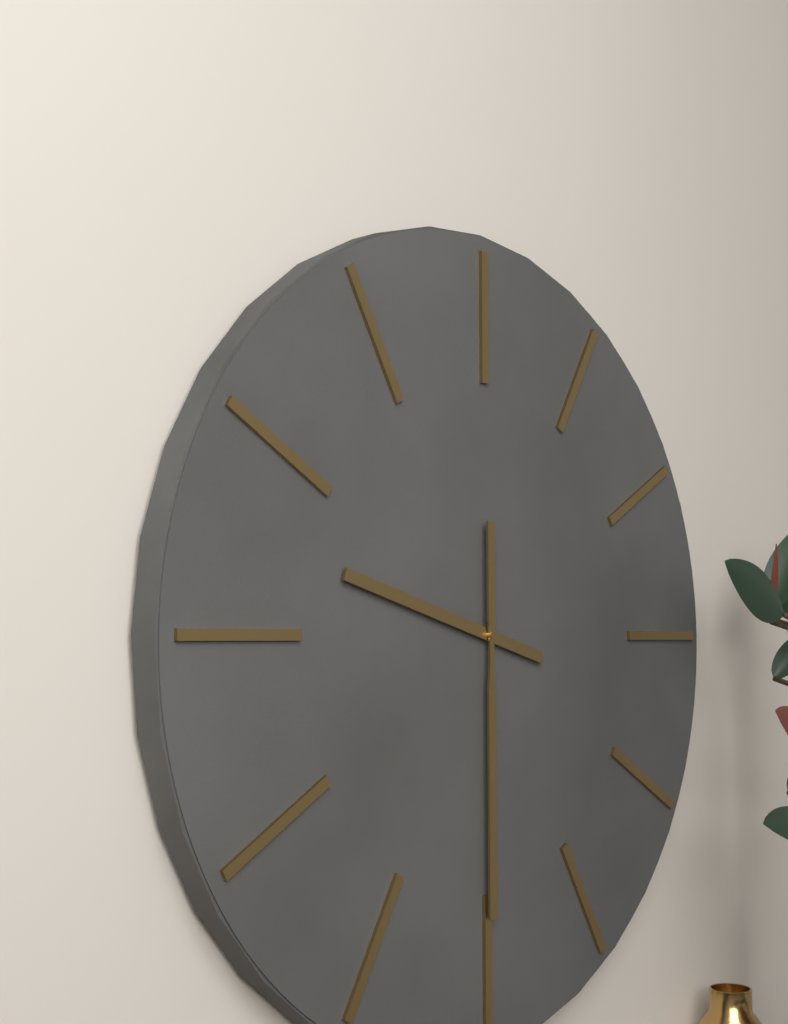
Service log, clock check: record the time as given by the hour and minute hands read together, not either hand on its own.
9:30
